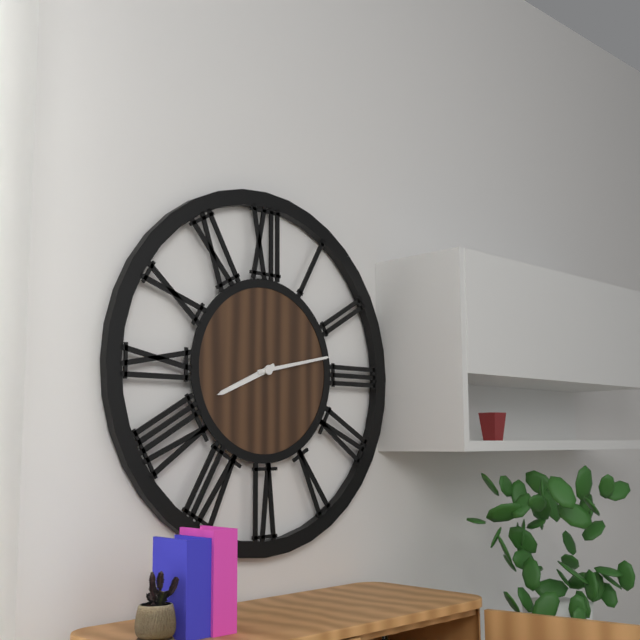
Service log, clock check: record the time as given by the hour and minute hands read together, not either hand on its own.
8:13
